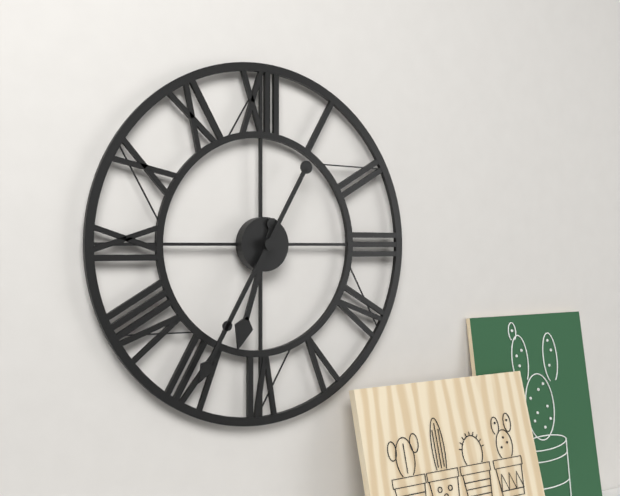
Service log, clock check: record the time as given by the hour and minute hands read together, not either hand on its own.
6:35
